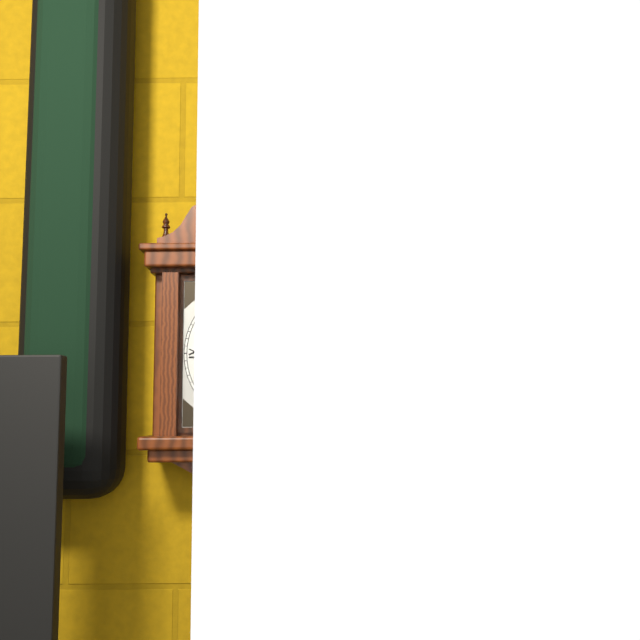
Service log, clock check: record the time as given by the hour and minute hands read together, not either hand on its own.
4:30
